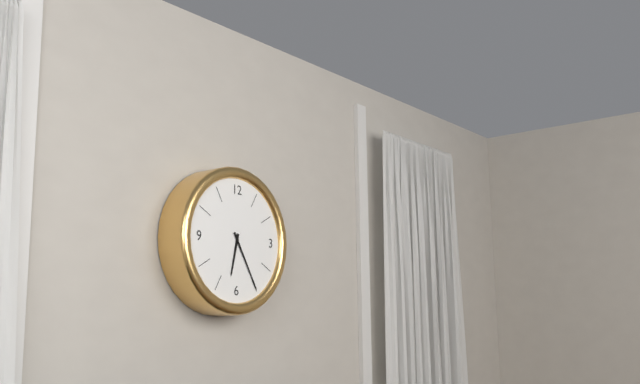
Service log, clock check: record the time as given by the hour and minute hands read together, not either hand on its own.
6:25
